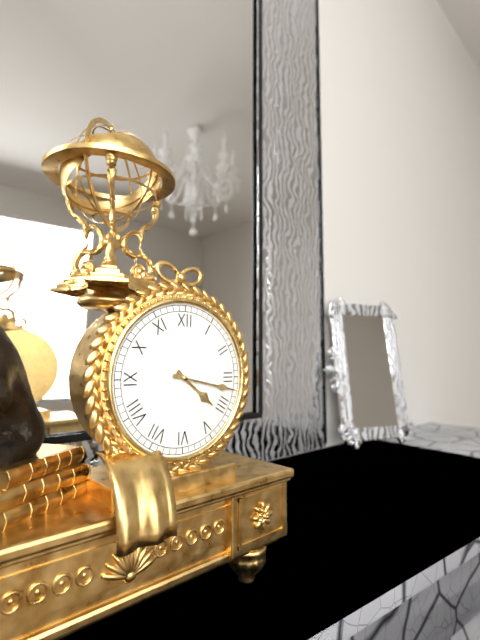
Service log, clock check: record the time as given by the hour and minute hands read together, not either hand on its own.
4:17
